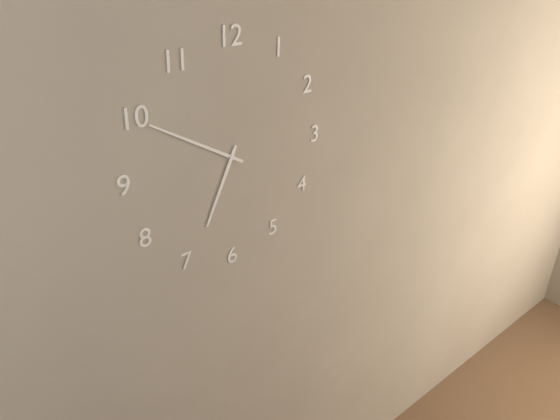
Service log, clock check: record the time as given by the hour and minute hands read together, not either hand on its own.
6:50
